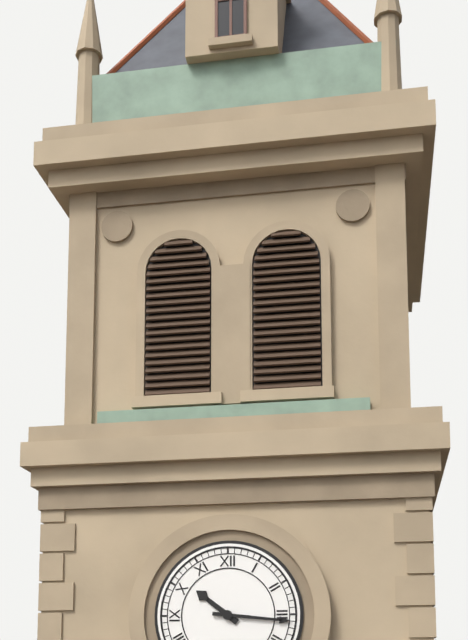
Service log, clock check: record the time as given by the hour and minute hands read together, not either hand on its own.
10:16
